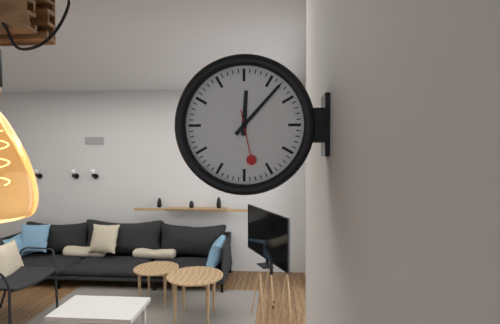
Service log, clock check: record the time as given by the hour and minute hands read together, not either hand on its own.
12:07
